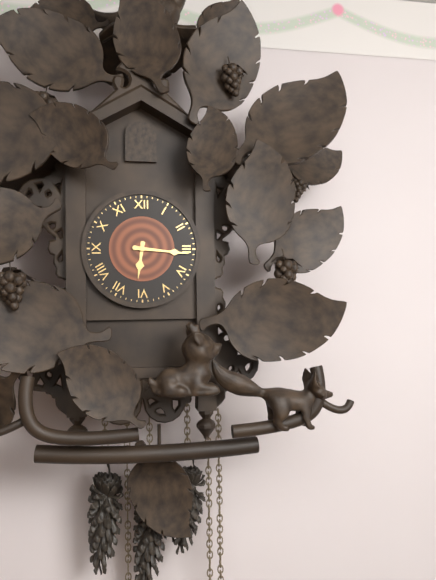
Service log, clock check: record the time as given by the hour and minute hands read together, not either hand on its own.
6:16
